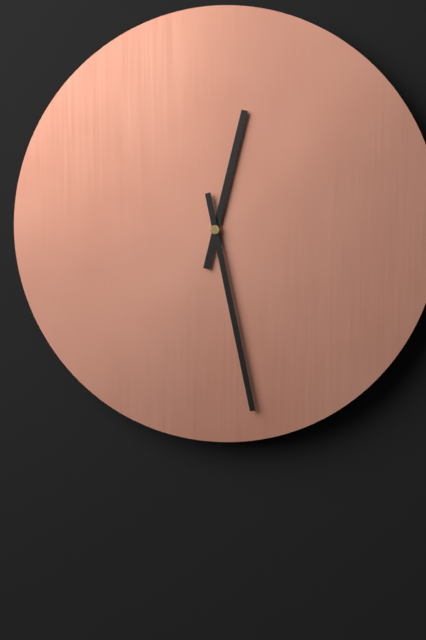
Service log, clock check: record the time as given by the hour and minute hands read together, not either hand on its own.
12:28
